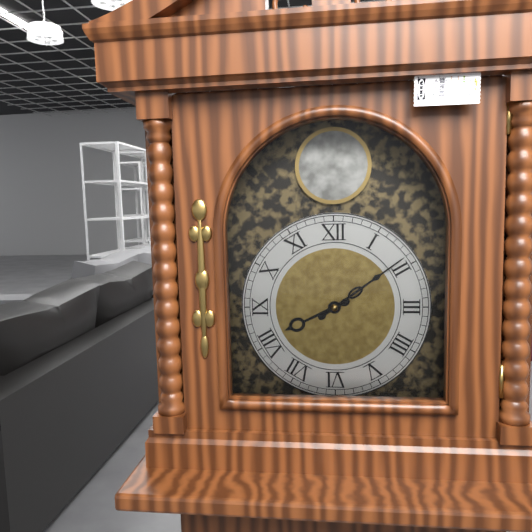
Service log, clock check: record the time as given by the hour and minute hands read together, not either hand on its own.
8:09
